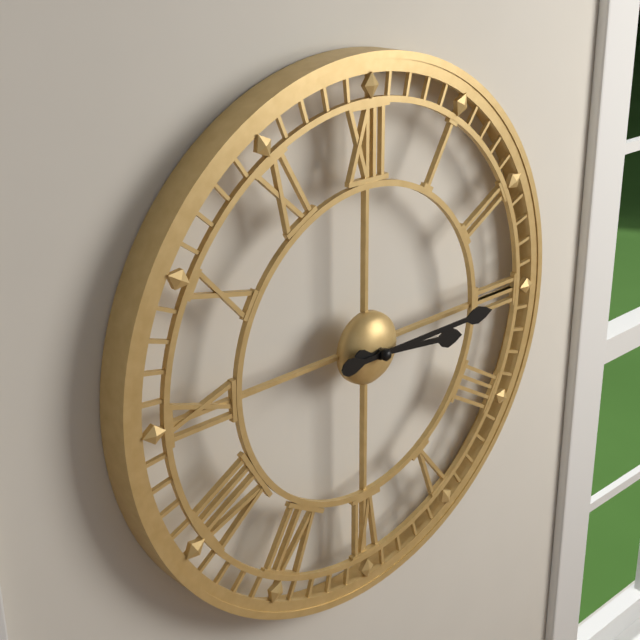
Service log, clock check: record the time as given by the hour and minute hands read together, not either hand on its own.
3:15
